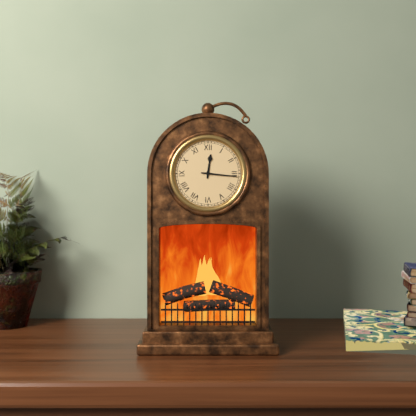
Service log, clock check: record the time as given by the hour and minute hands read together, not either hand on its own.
12:16
